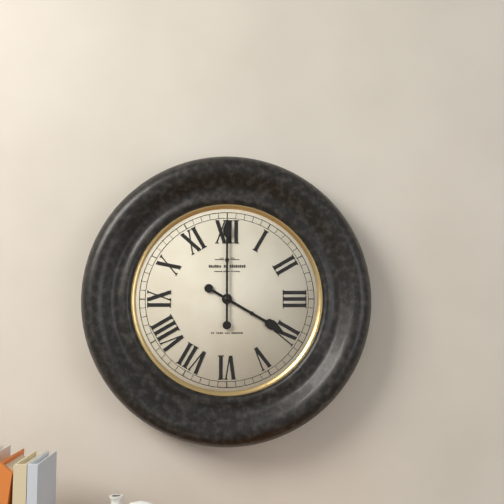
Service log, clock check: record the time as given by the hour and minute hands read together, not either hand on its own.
4:00
